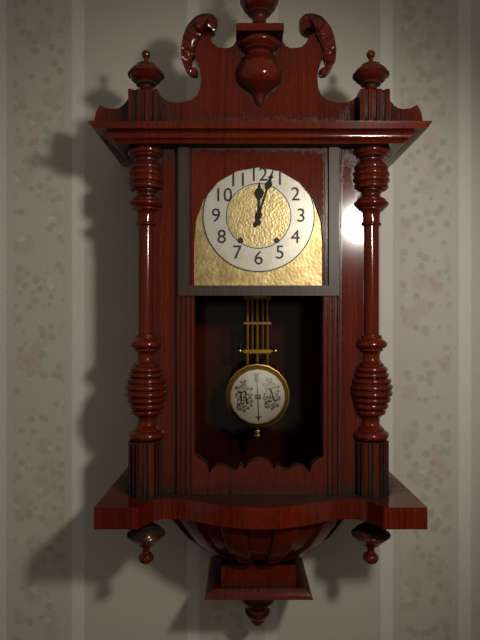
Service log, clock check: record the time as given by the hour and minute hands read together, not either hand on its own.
12:03
